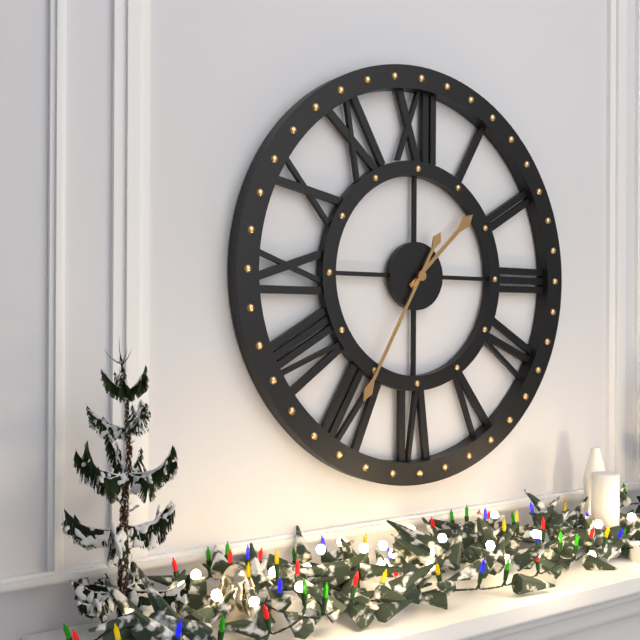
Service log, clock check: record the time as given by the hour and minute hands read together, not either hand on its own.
1:35
